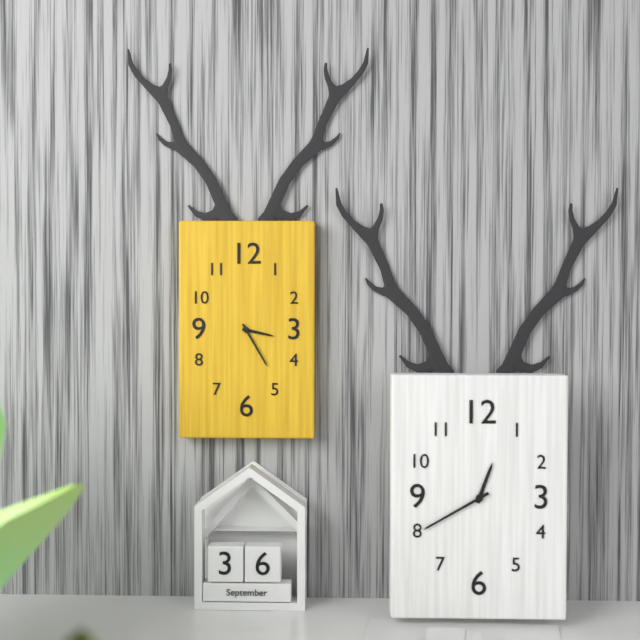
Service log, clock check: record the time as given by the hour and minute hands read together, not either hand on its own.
3:25
